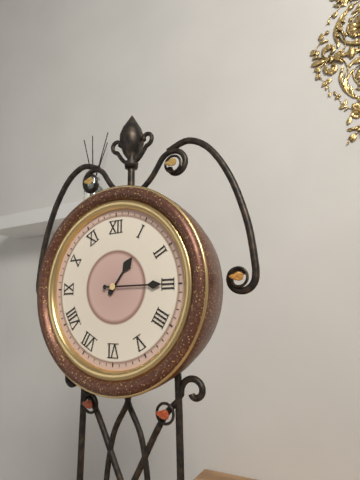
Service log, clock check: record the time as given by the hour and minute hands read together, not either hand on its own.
1:15
